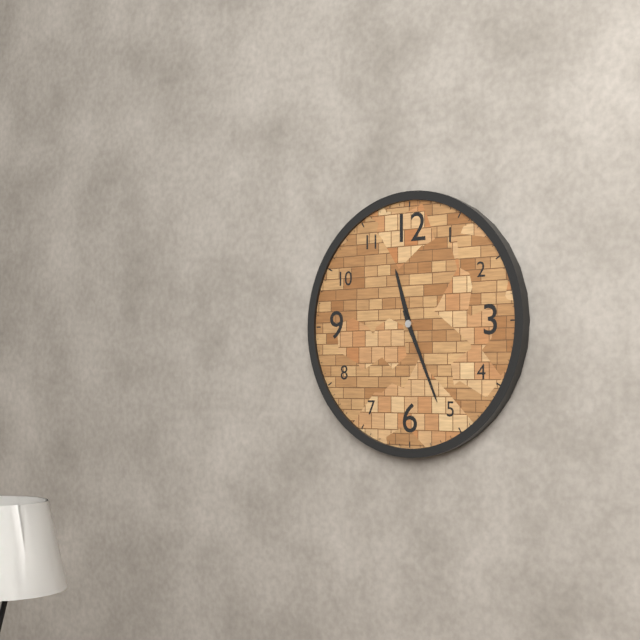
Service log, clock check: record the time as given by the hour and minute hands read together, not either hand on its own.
11:26
